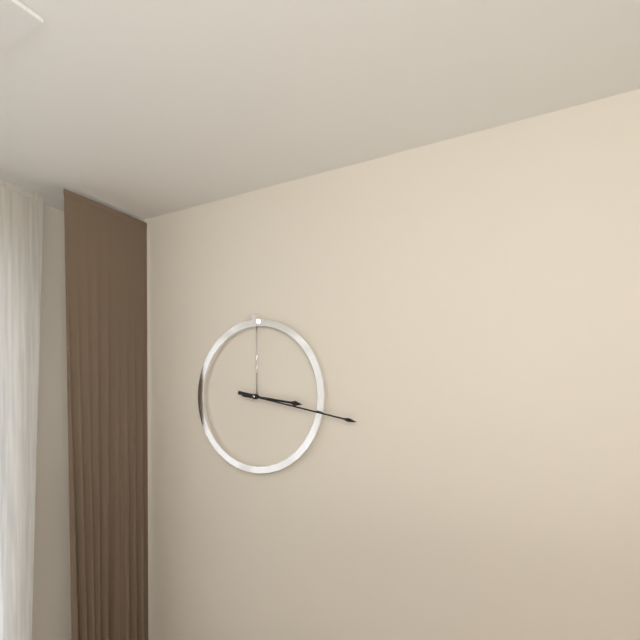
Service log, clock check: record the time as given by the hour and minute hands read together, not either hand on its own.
3:17
